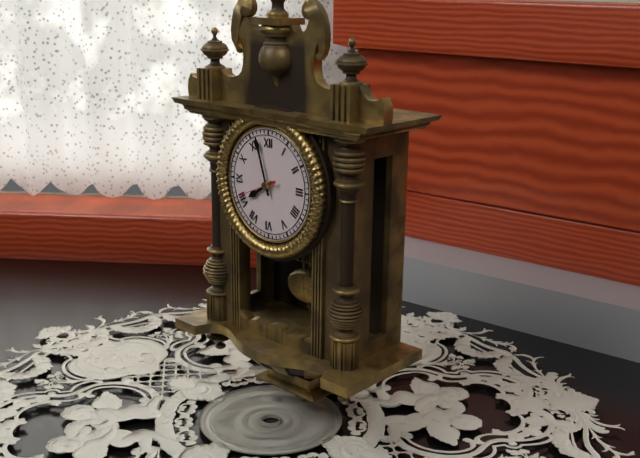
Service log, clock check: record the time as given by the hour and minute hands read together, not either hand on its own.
7:57
